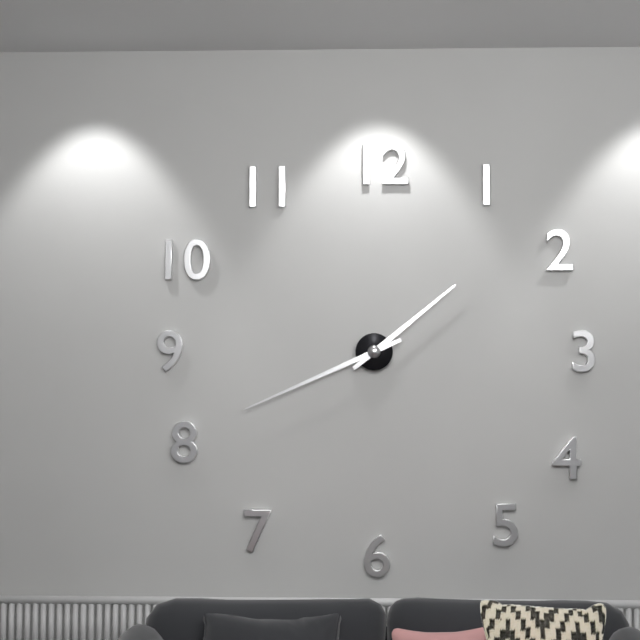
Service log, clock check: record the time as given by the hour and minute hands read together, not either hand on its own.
1:41
